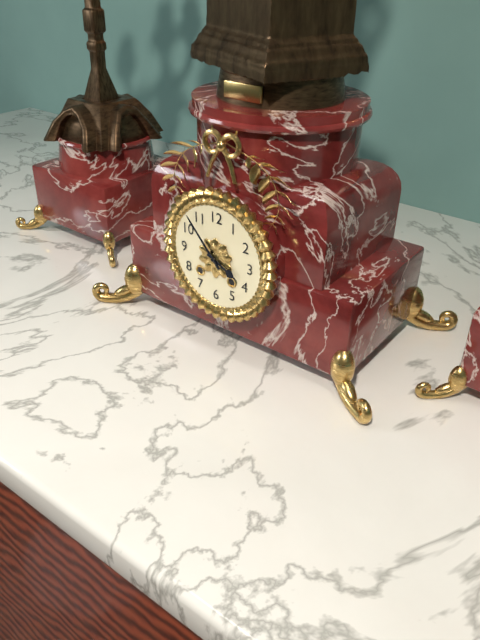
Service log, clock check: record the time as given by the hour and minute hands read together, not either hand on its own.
3:53
